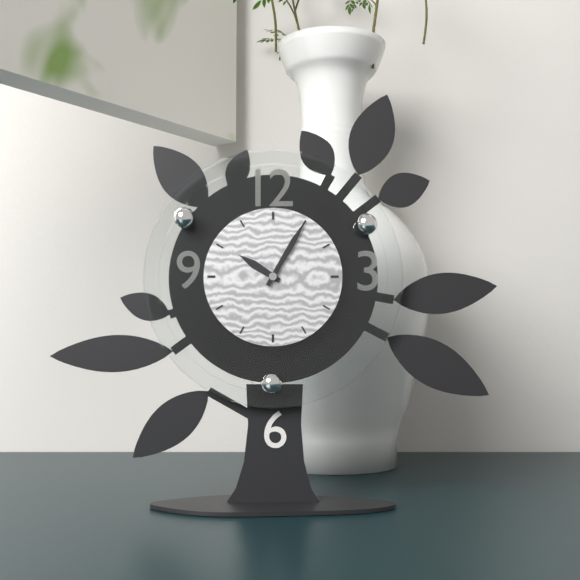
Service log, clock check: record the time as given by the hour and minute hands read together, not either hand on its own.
10:05
